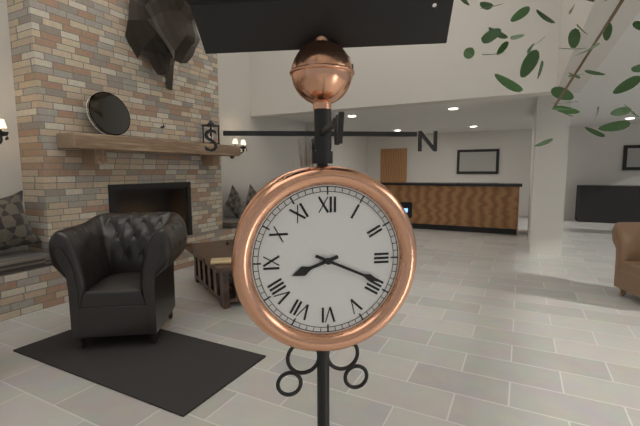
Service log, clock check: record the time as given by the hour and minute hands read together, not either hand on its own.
8:19
